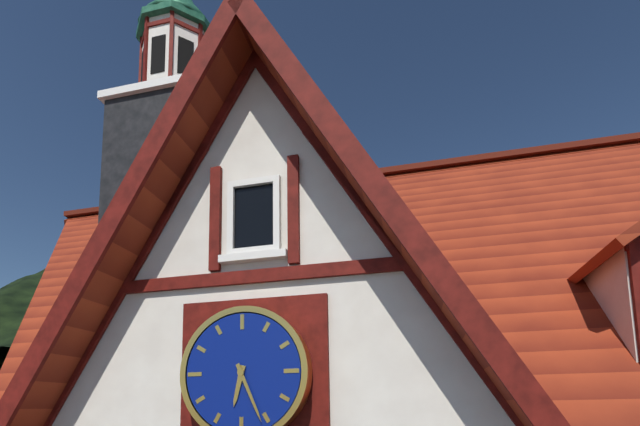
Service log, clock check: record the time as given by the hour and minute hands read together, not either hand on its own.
6:26
